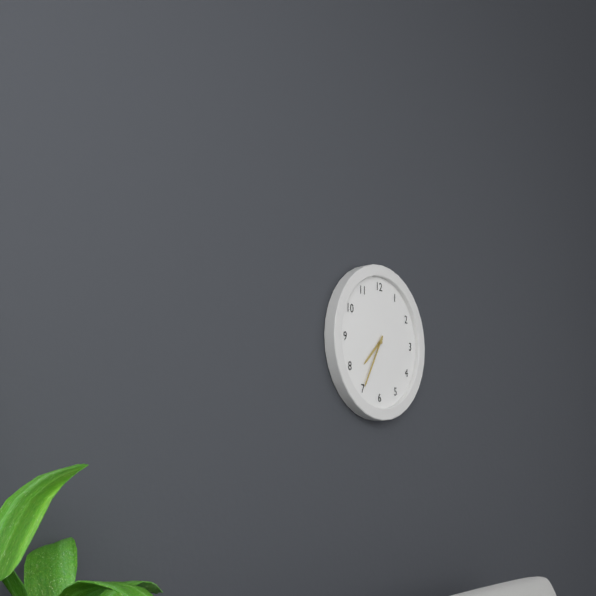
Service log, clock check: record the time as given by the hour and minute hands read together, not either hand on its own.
7:35
